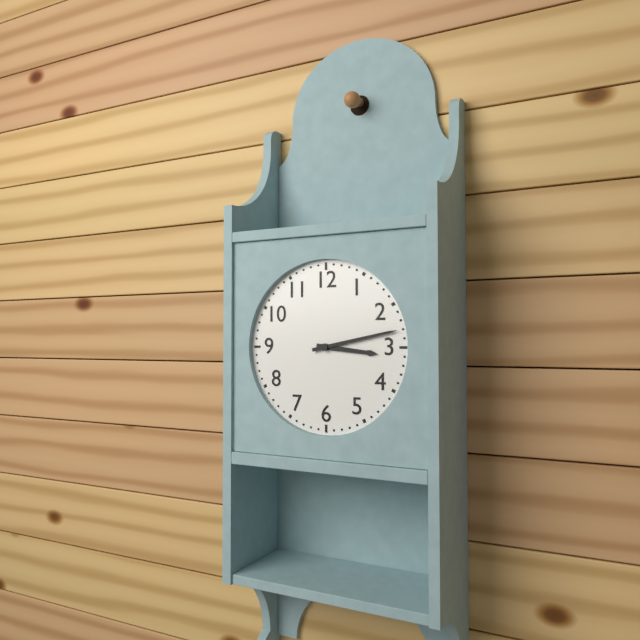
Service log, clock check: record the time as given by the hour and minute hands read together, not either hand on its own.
3:13
